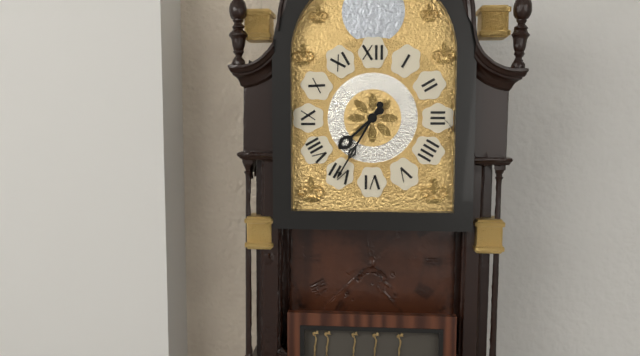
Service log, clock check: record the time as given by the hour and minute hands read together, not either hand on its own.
7:35
